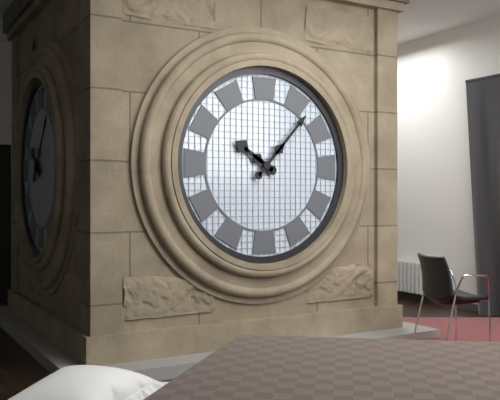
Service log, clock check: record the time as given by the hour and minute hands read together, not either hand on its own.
10:07
